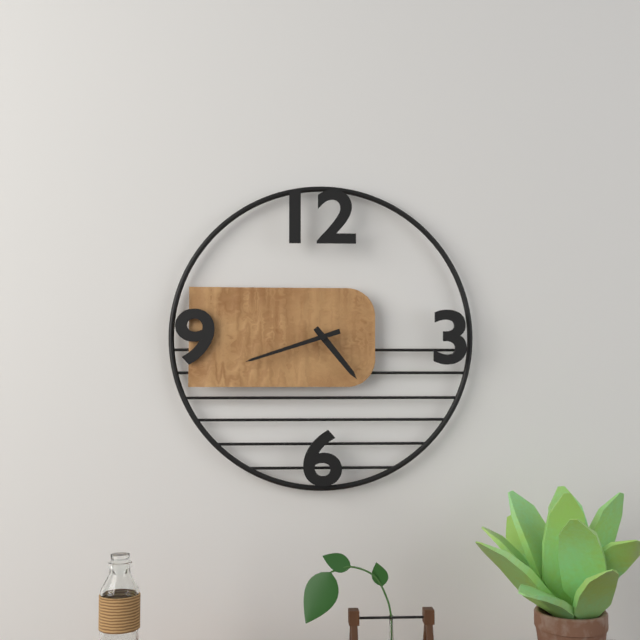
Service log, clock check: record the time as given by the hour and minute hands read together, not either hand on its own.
4:42
